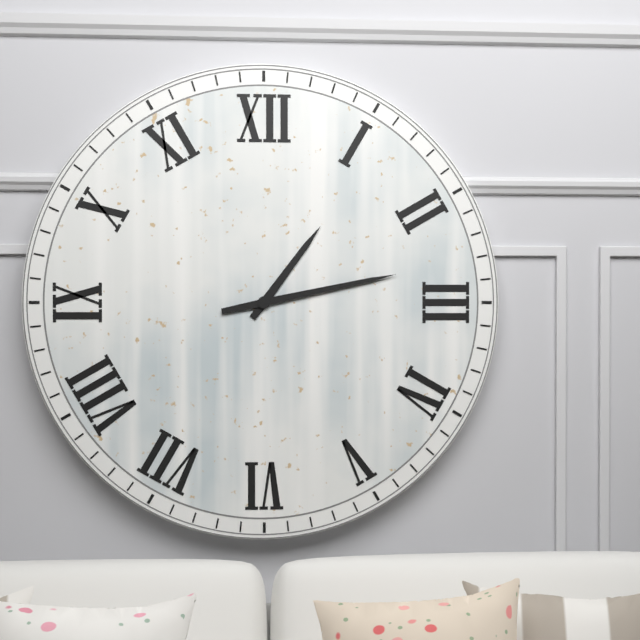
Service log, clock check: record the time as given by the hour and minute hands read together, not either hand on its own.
1:13
